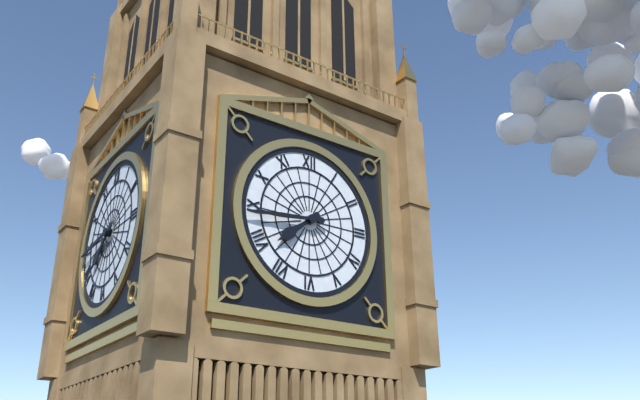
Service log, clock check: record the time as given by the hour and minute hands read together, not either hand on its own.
7:44
